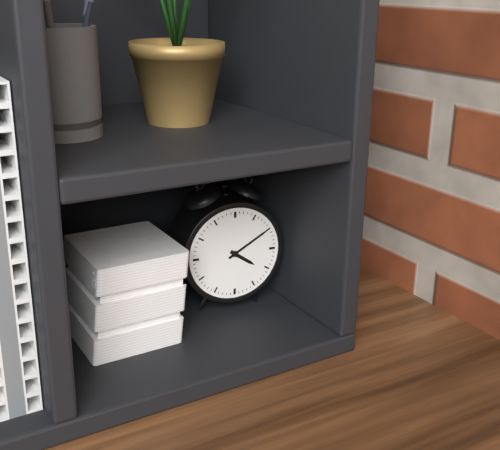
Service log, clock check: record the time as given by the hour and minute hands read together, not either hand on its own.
4:10
